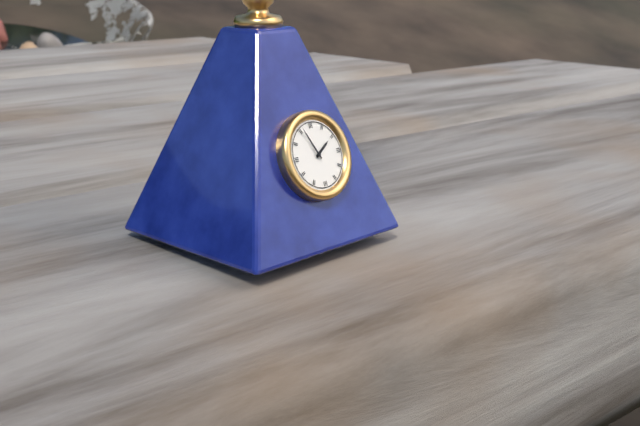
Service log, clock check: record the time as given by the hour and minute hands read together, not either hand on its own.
1:56
